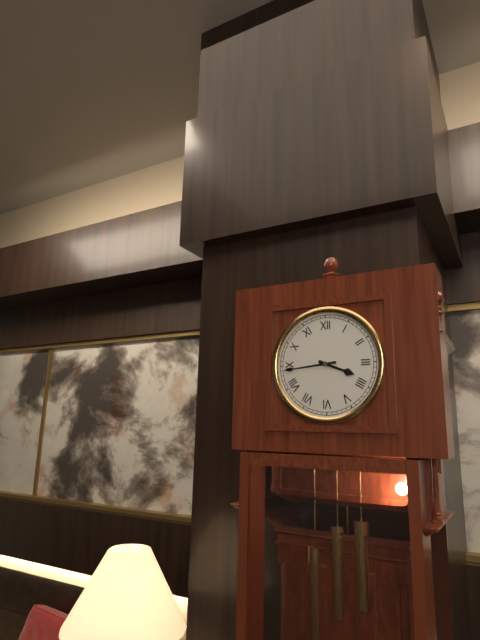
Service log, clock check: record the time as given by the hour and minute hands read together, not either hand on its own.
3:44
